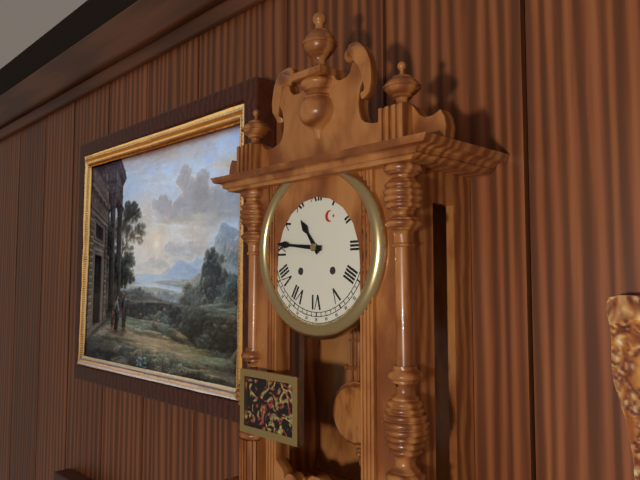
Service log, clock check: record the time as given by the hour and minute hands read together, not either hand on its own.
10:46
